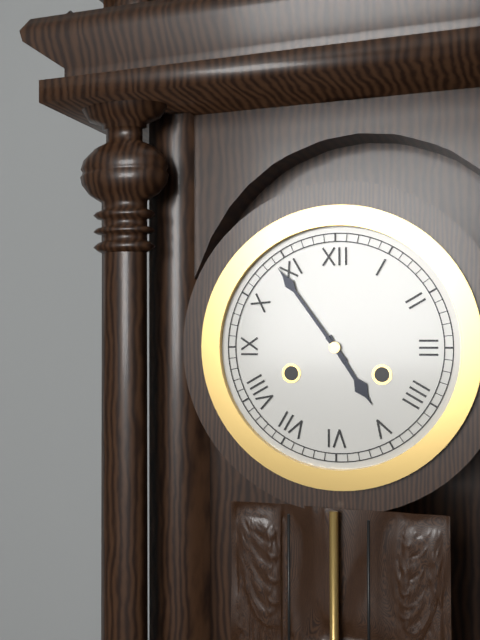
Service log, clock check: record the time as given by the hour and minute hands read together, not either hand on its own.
4:54
